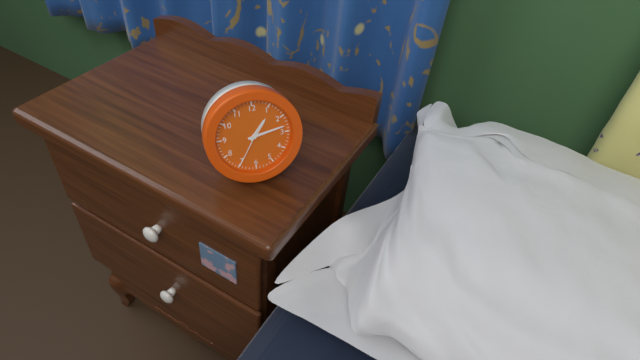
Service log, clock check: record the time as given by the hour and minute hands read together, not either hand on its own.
1:13
